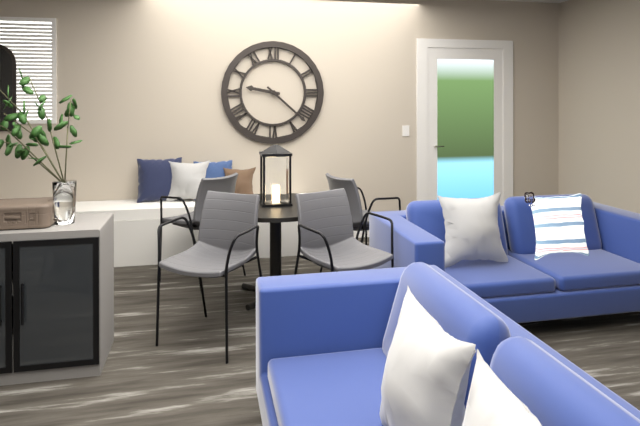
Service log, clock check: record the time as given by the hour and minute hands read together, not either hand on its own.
9:22
